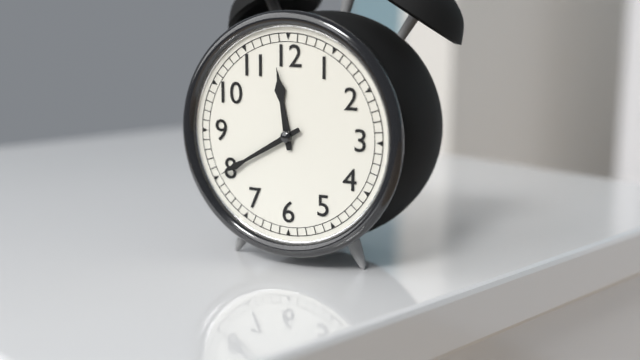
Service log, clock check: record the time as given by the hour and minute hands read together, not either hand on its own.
11:40
